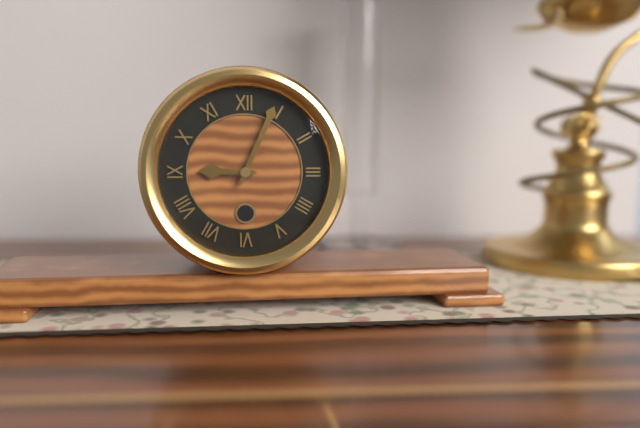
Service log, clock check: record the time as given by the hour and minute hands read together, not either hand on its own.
9:04
